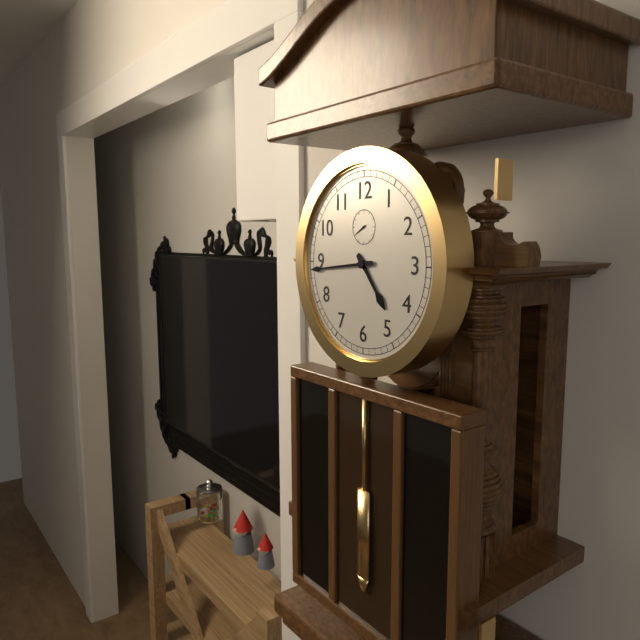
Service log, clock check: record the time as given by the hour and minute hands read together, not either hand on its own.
4:44
